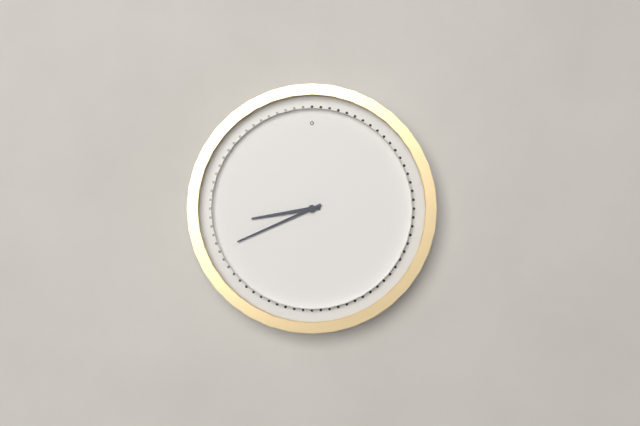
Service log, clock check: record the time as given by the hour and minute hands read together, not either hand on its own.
8:41
